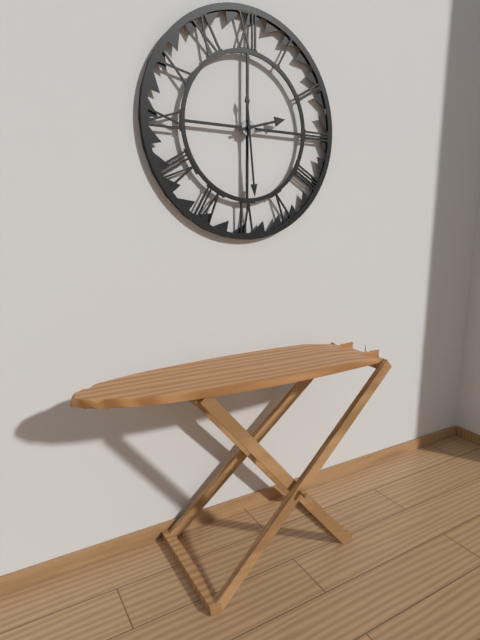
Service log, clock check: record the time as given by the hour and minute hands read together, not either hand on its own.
2:29
